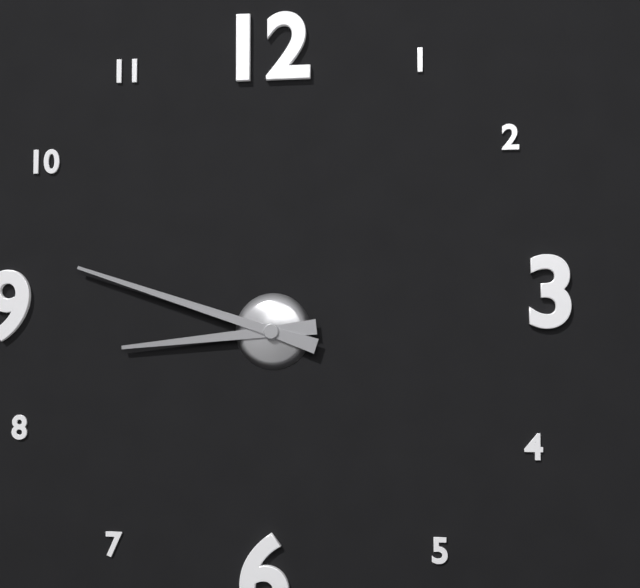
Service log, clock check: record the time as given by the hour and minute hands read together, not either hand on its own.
8:48
